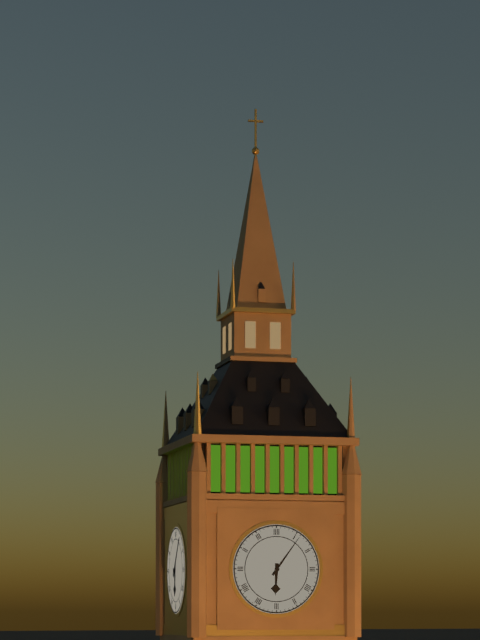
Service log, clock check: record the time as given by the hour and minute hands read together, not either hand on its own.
6:06
